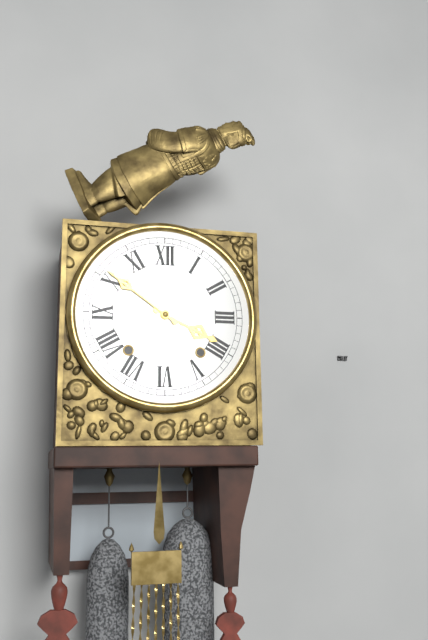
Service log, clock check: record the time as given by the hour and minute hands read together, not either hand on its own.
3:51
